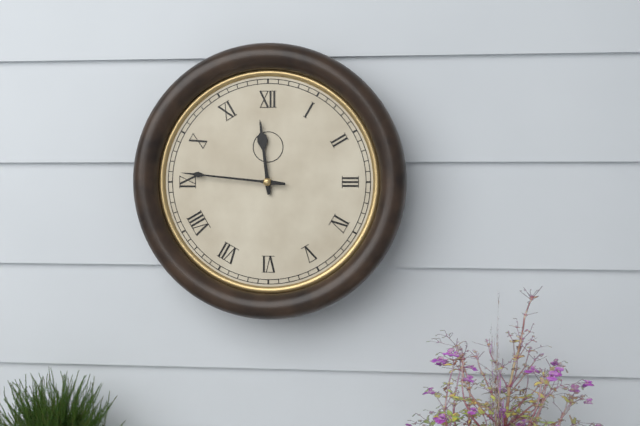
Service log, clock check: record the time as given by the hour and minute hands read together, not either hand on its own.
11:46
